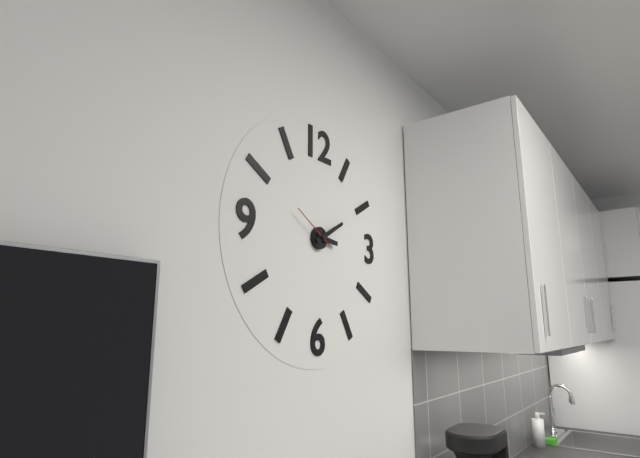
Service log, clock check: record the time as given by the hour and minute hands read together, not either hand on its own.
3:10
